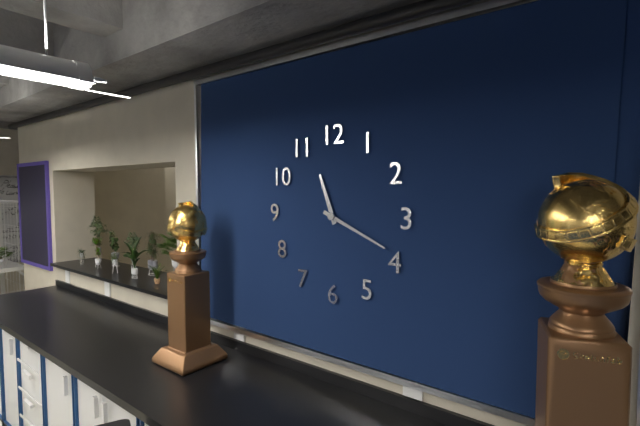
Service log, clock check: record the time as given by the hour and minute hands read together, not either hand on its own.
11:19
